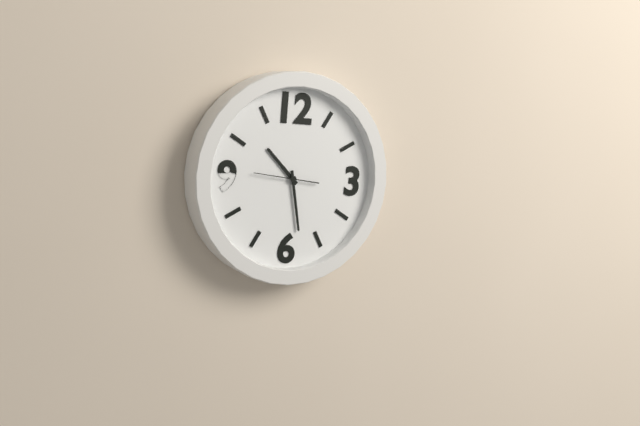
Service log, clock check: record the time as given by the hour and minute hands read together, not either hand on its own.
10:28
